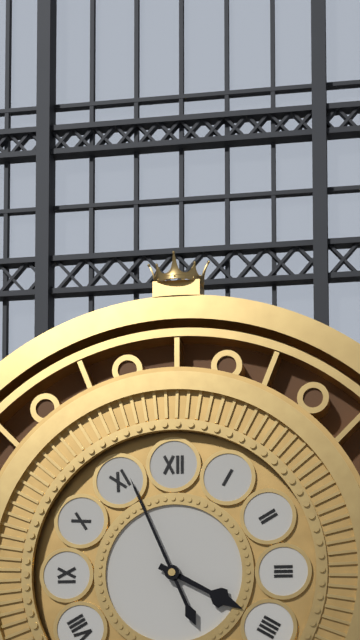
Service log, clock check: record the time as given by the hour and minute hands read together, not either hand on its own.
3:56
